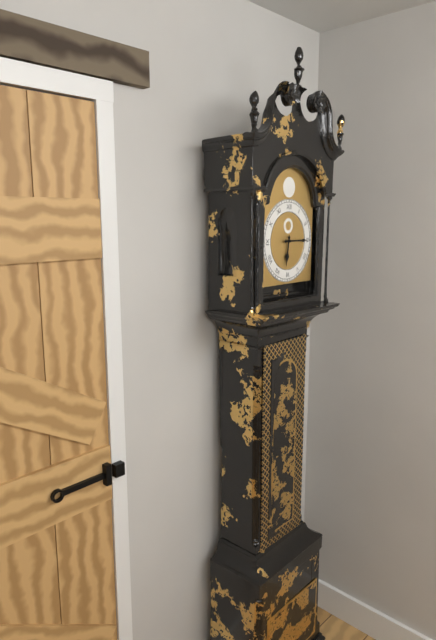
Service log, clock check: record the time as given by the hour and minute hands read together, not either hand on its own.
6:15
